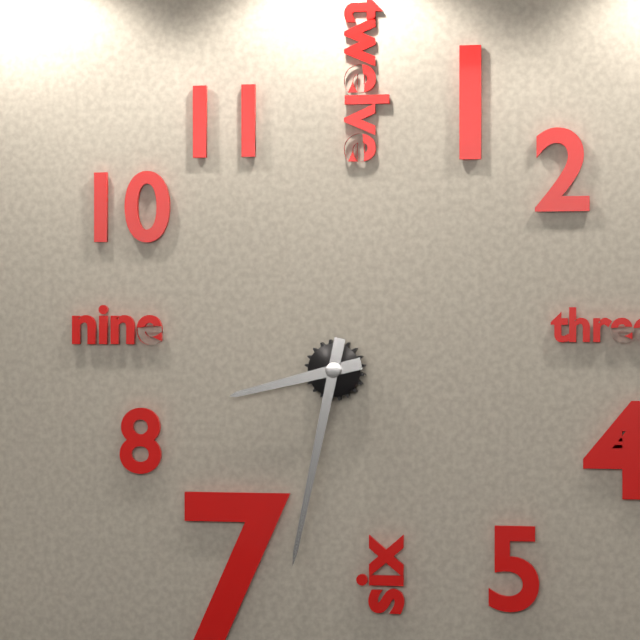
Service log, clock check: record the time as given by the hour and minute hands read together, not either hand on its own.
8:32
